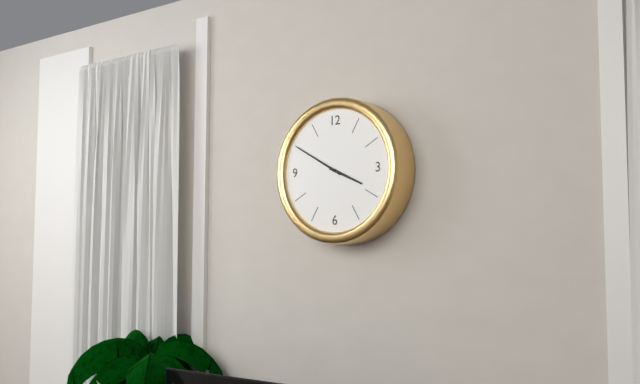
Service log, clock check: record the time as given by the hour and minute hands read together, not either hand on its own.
3:50
